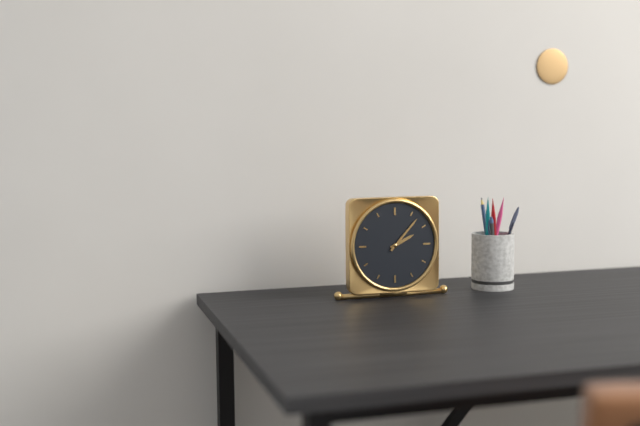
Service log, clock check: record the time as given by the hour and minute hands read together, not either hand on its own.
2:07
